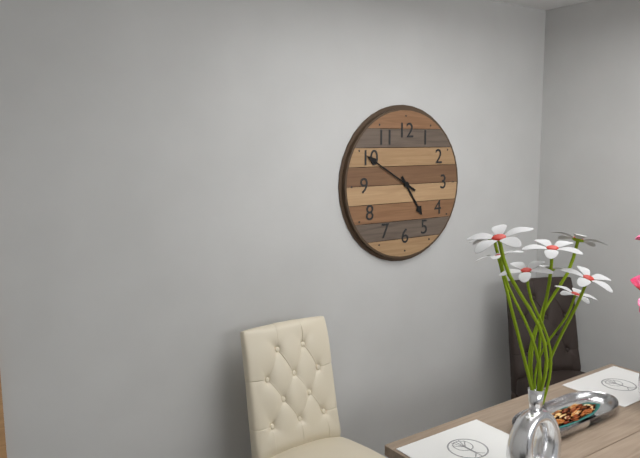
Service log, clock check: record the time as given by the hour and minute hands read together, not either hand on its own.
4:50
